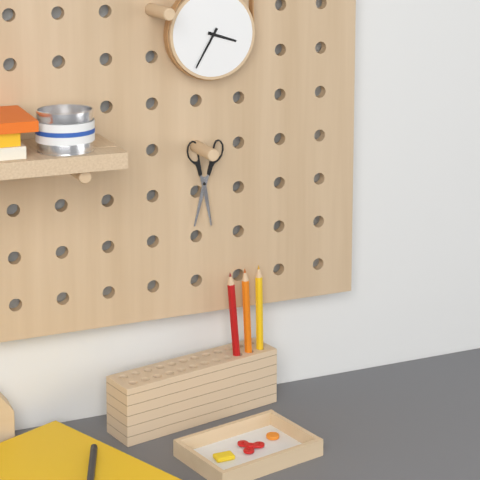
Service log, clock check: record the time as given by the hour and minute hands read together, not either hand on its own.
3:35
